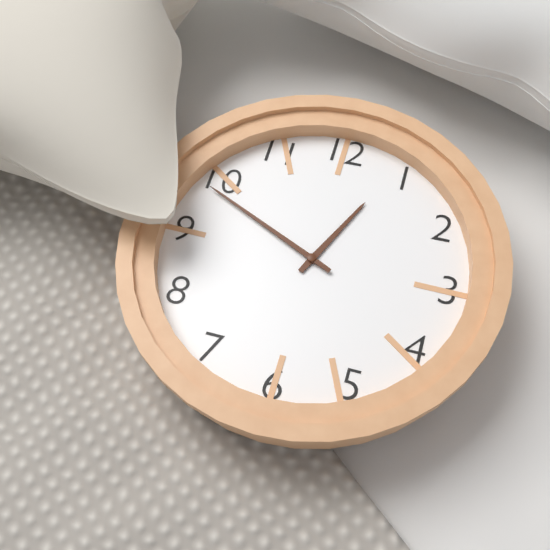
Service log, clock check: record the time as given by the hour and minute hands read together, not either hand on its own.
12:49
